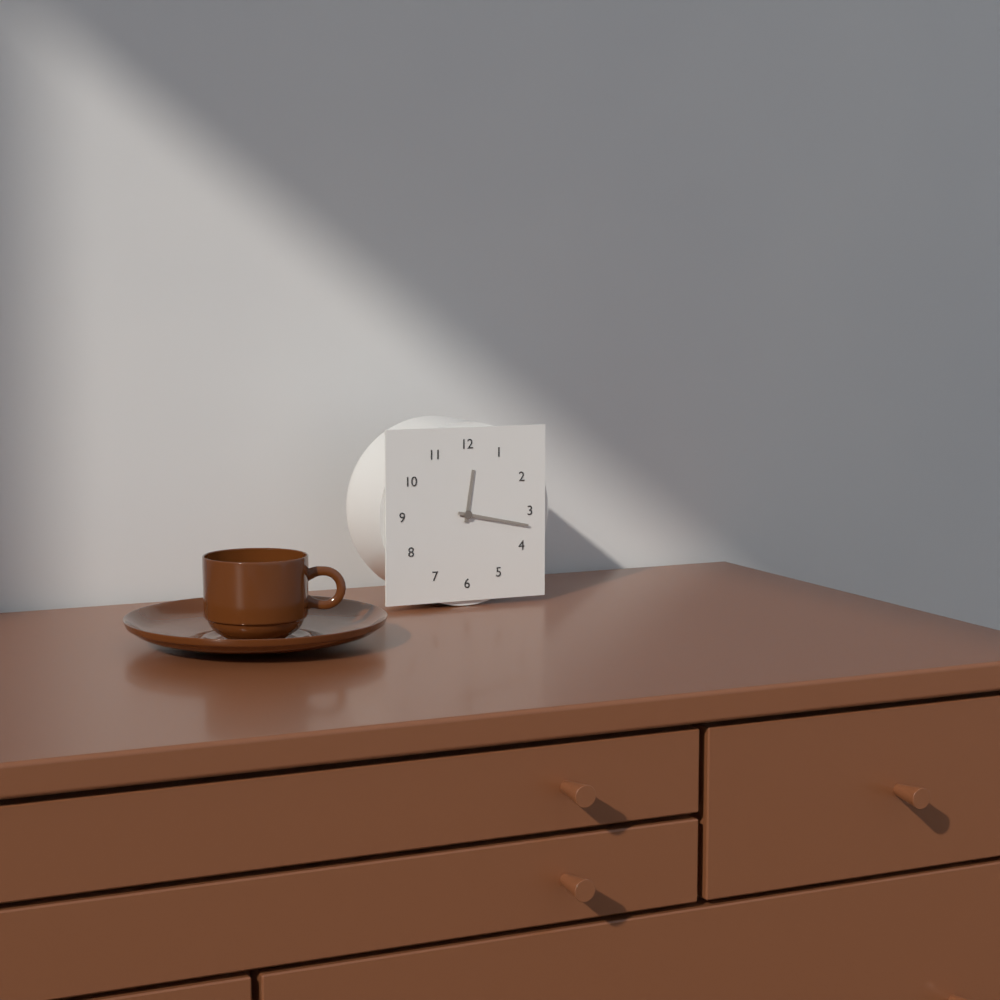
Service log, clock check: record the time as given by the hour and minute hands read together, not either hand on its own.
12:17
